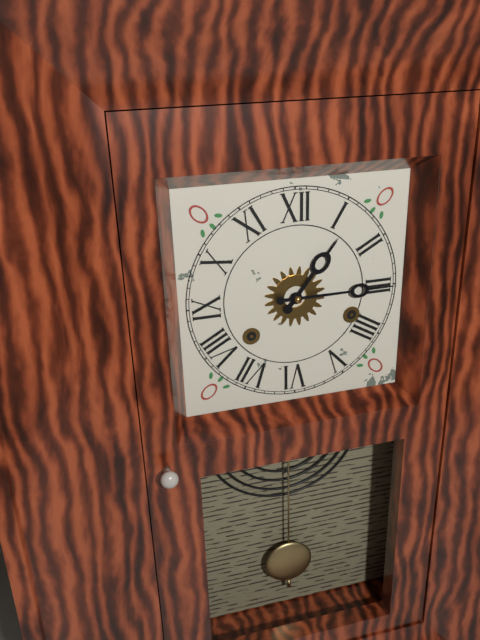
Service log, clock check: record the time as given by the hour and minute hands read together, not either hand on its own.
1:15
